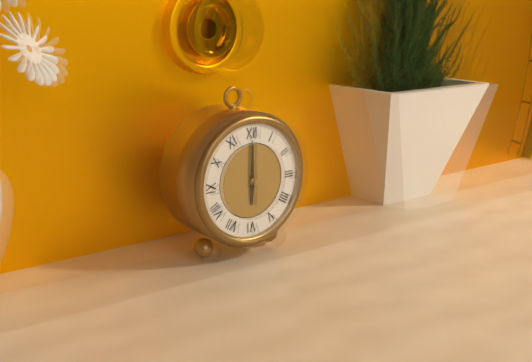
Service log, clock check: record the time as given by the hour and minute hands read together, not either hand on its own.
6:00
